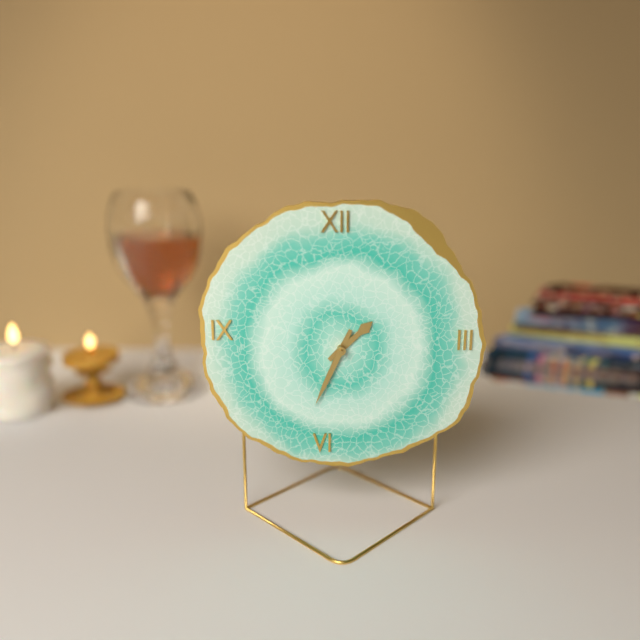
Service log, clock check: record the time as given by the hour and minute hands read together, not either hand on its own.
1:34
